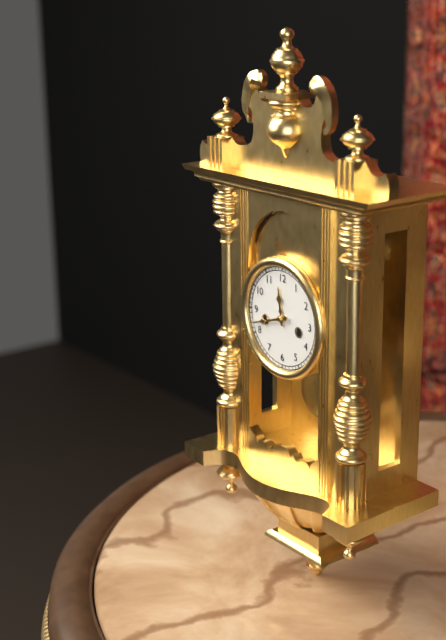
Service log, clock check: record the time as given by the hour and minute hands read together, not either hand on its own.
11:42
